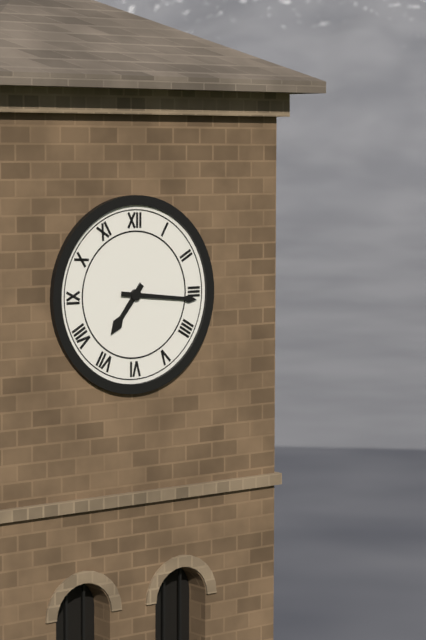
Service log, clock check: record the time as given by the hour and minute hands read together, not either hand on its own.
7:16
